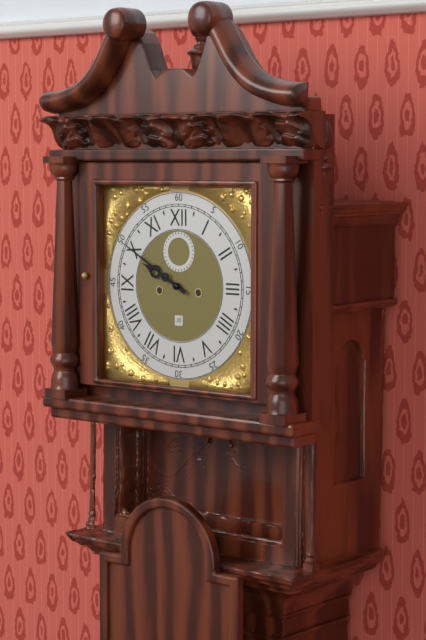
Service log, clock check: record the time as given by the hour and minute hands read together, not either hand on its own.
9:50
